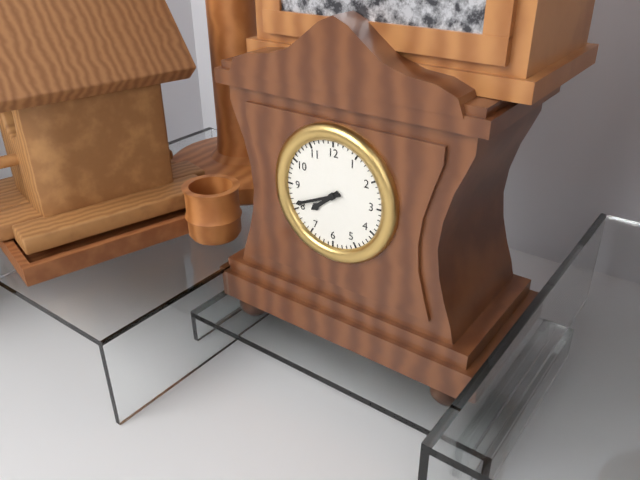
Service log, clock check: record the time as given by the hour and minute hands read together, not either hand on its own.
7:41
